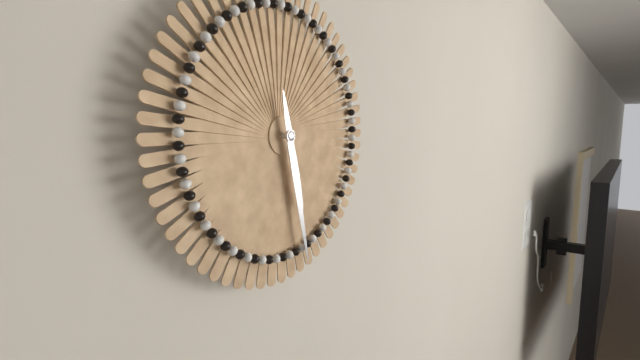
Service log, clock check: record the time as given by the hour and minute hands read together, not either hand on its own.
5:28
